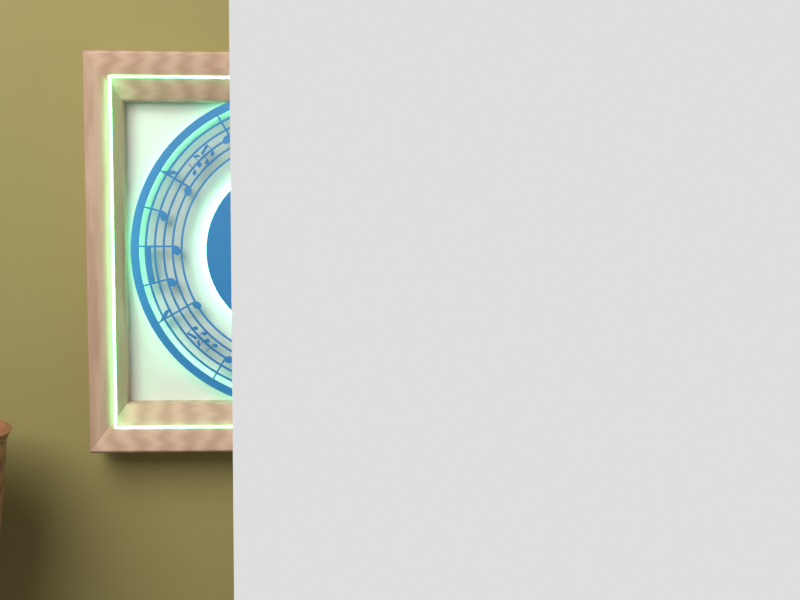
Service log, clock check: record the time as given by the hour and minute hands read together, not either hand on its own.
9:04
